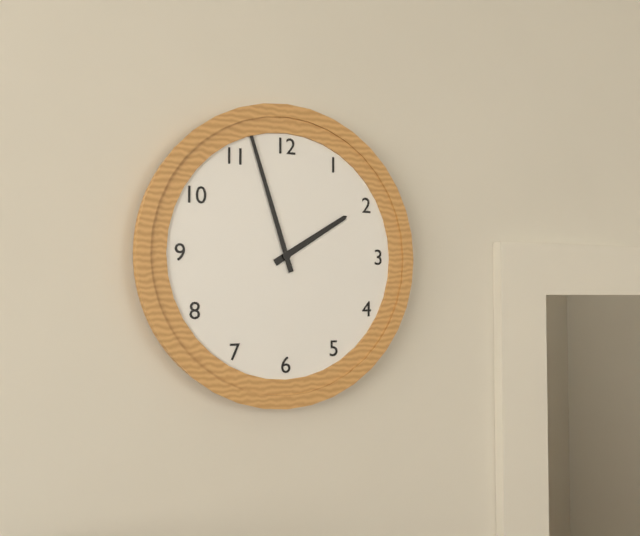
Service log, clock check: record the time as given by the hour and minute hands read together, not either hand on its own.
1:57
